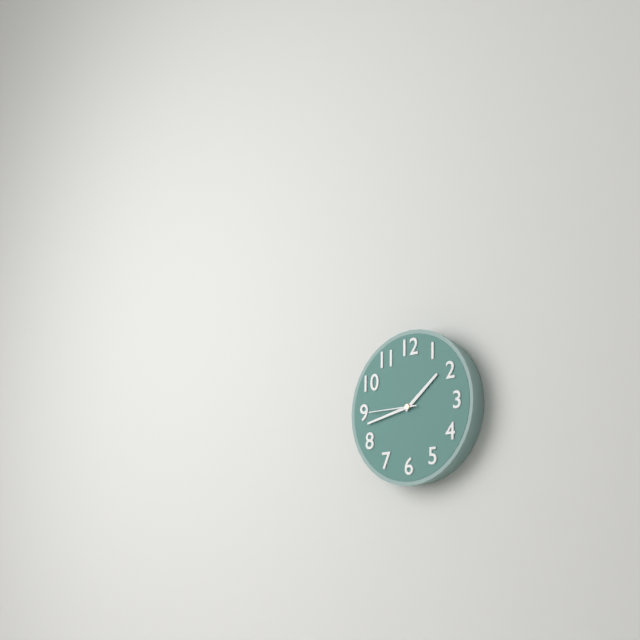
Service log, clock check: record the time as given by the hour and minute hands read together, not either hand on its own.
1:43
